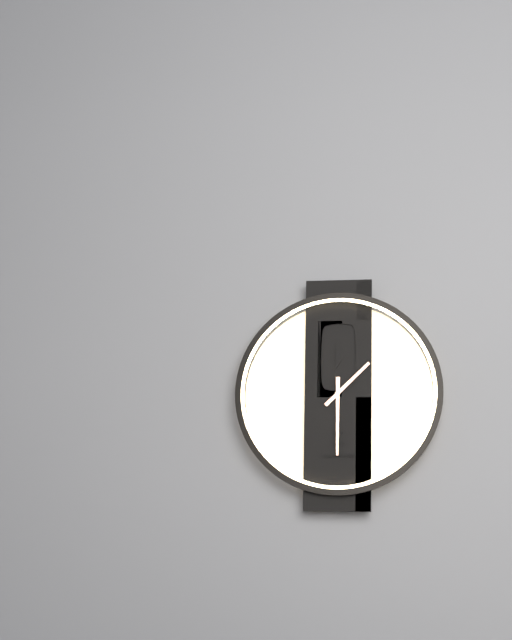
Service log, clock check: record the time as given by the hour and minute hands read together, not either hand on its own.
1:30
